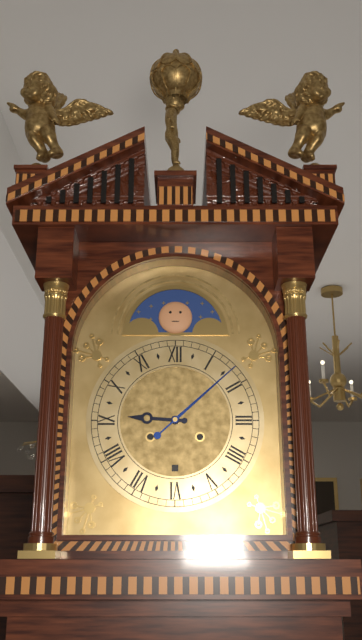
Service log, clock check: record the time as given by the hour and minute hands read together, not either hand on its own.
9:08
